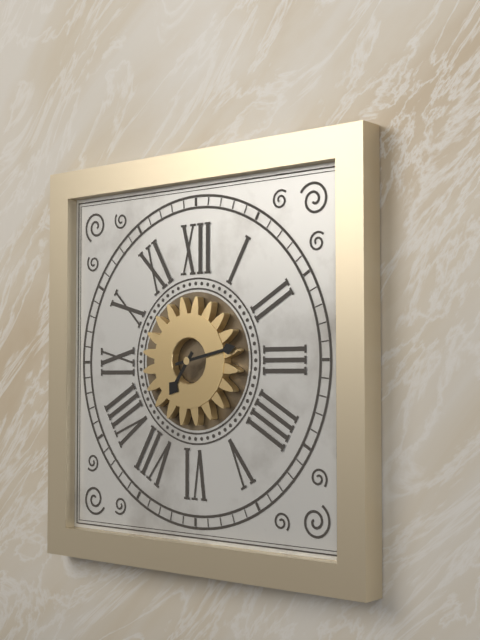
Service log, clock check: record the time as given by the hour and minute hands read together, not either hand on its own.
7:13
